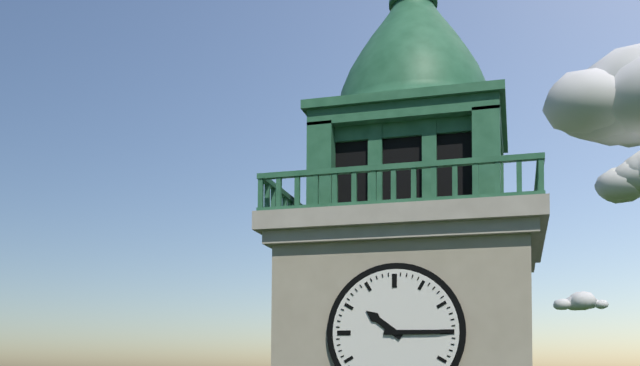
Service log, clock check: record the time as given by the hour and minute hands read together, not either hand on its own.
10:15
